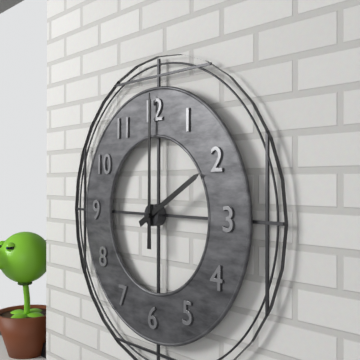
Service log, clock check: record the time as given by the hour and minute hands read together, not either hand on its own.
2:00
